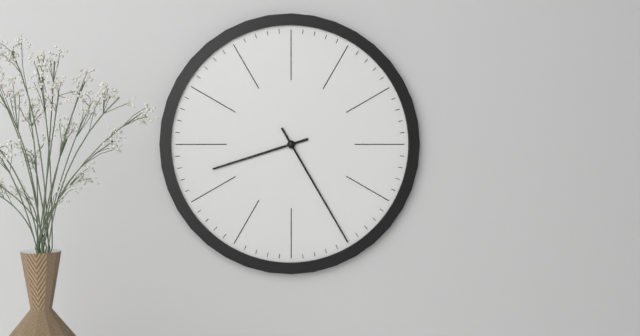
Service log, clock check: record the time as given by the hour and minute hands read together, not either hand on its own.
8:25
